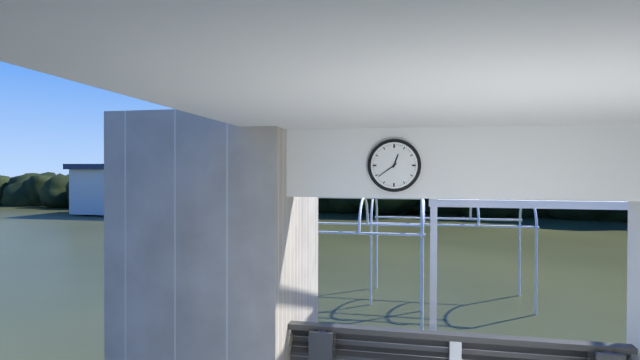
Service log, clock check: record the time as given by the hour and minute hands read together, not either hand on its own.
12:39
